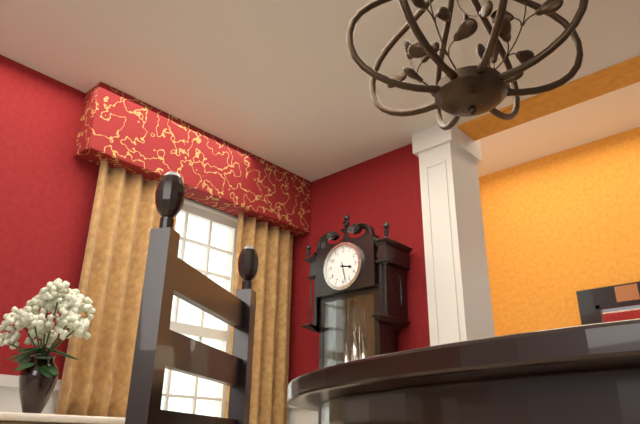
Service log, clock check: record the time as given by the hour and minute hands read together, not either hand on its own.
3:28
